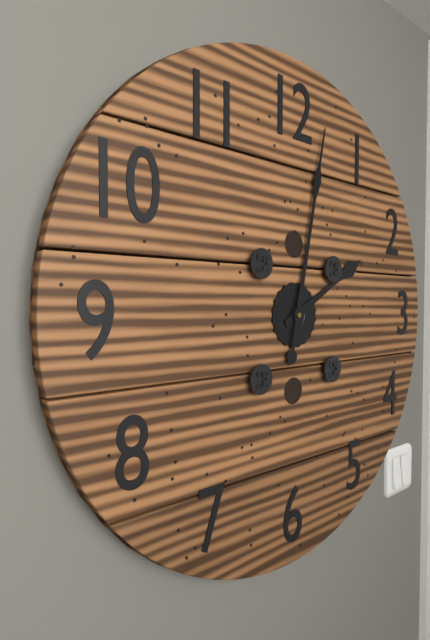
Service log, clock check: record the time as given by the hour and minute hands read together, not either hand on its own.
2:02
